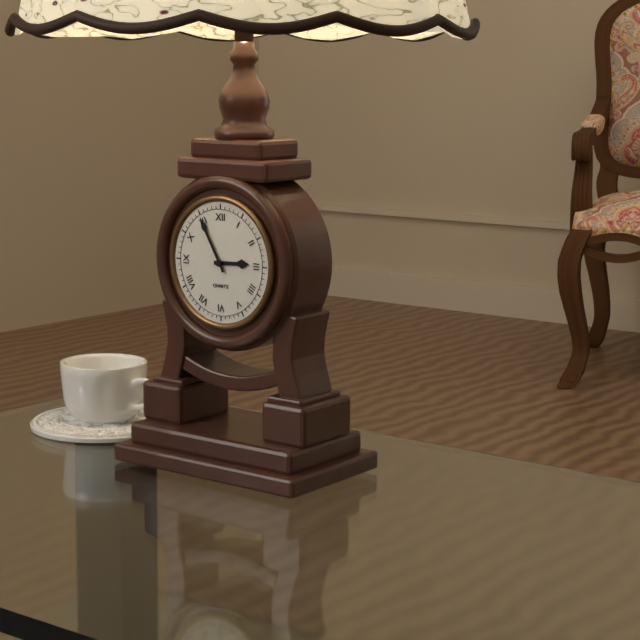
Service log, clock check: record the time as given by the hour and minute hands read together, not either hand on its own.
2:55
